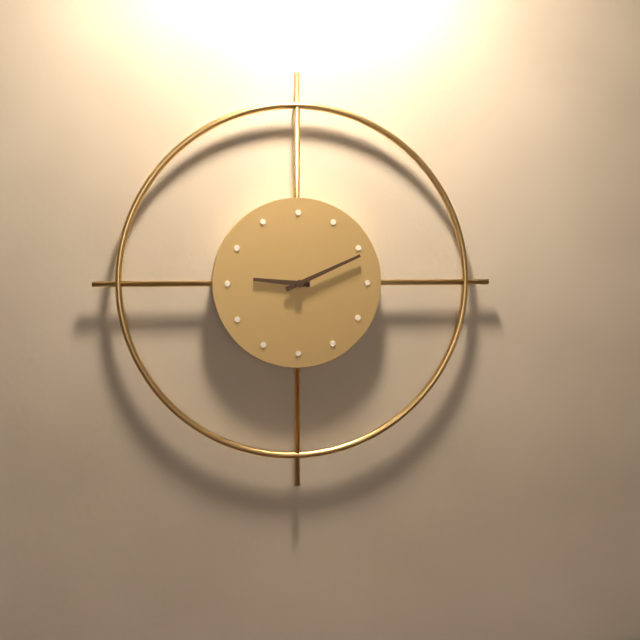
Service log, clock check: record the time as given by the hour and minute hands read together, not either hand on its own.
9:11
